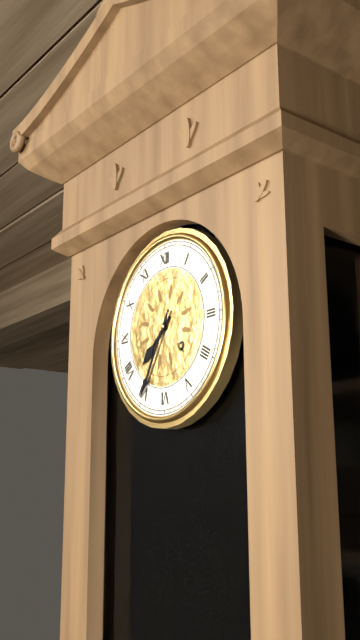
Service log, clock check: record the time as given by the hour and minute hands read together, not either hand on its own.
7:35
